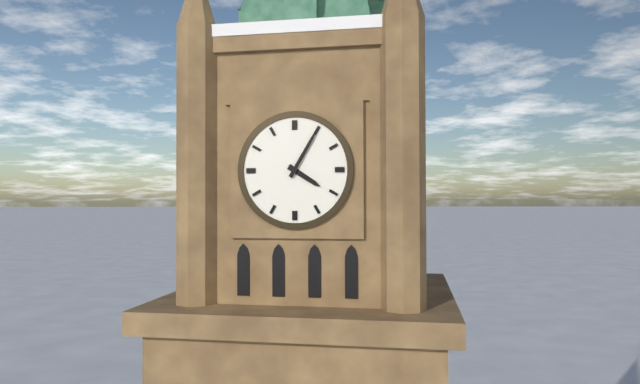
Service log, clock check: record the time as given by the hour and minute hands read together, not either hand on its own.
4:05
